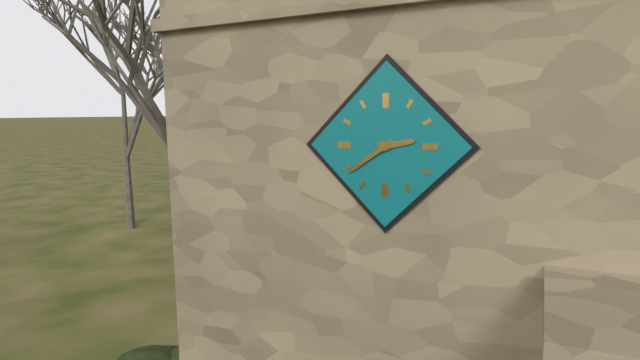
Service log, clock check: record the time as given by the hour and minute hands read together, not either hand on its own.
2:39
